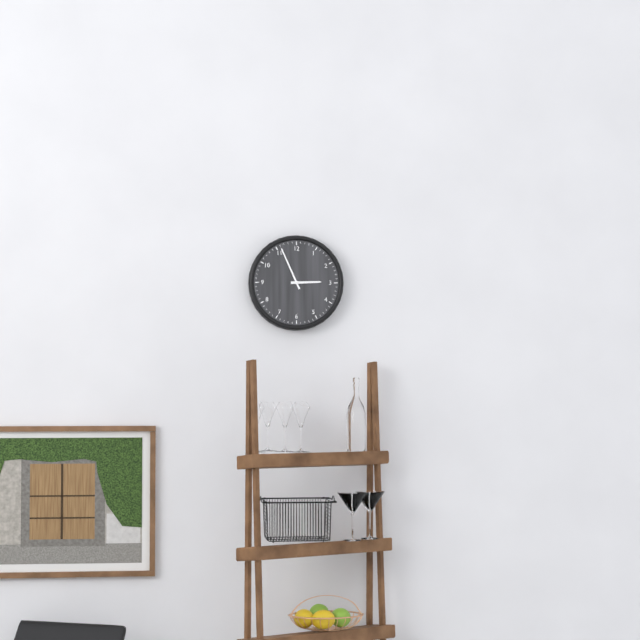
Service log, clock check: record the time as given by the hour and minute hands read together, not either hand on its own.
2:56
